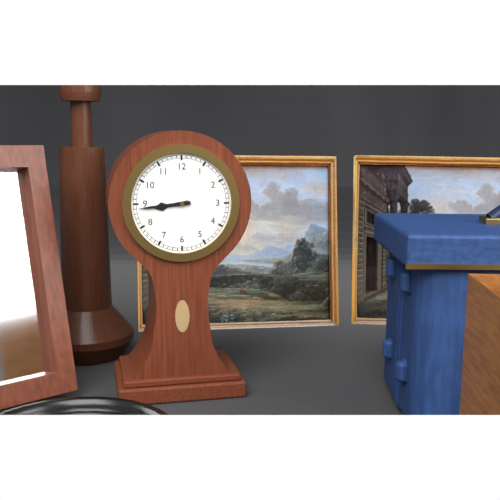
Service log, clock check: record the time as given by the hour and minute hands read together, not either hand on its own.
8:44
